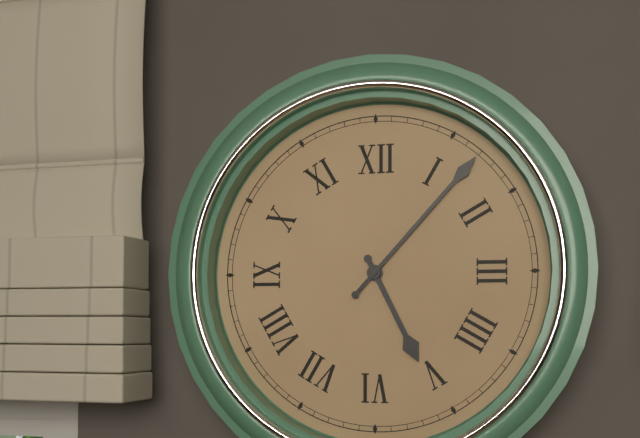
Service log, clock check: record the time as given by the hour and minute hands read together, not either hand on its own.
5:07
